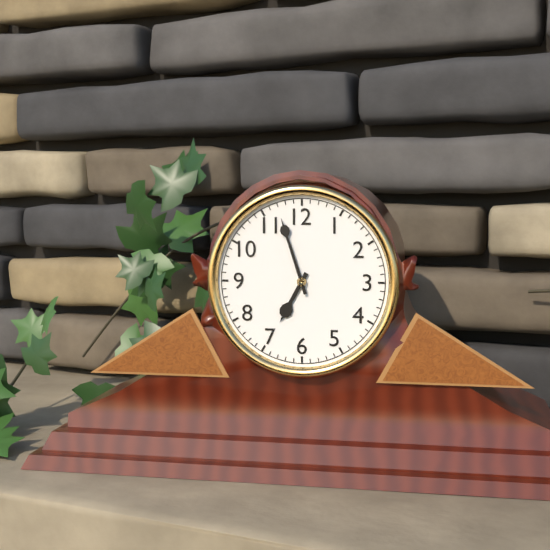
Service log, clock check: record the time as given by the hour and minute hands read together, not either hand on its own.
6:57
